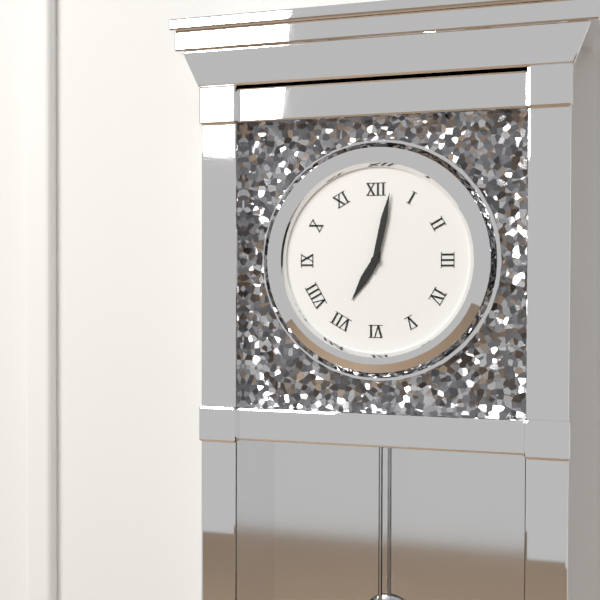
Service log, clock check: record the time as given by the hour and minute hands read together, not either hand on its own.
7:02
